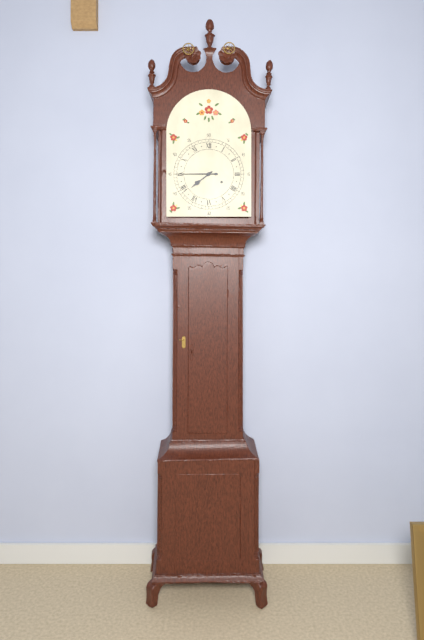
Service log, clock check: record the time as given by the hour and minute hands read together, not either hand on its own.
7:45
